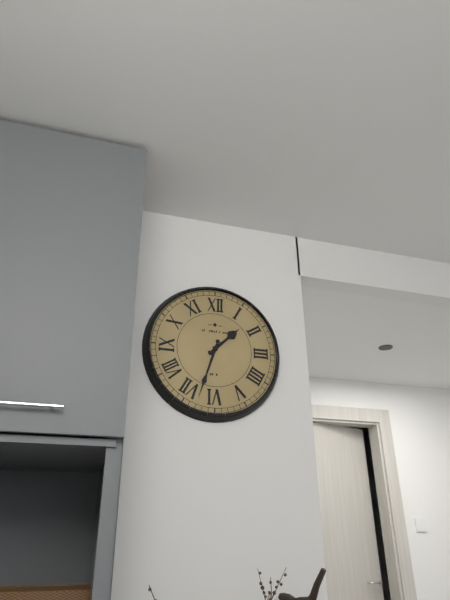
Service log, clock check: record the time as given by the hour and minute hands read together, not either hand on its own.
1:33
